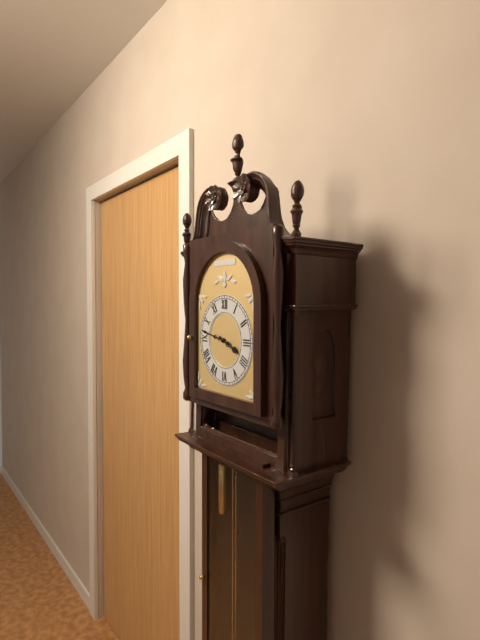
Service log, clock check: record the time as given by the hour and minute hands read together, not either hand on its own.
3:47
